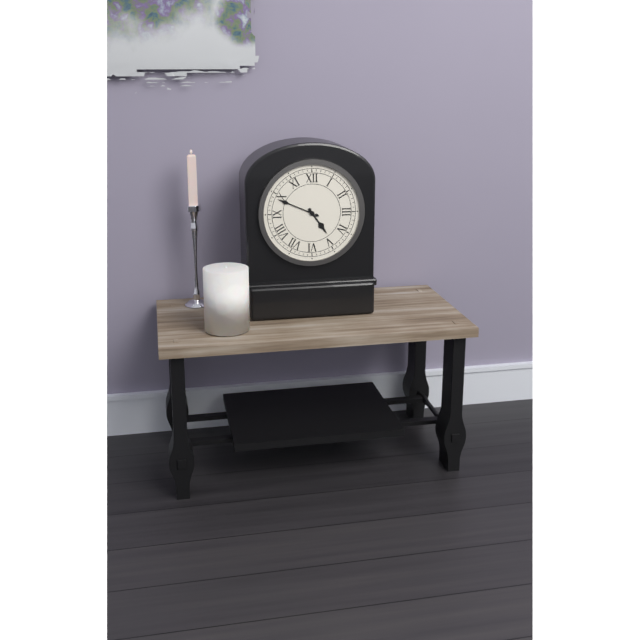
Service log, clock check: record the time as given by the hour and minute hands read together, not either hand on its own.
4:49
